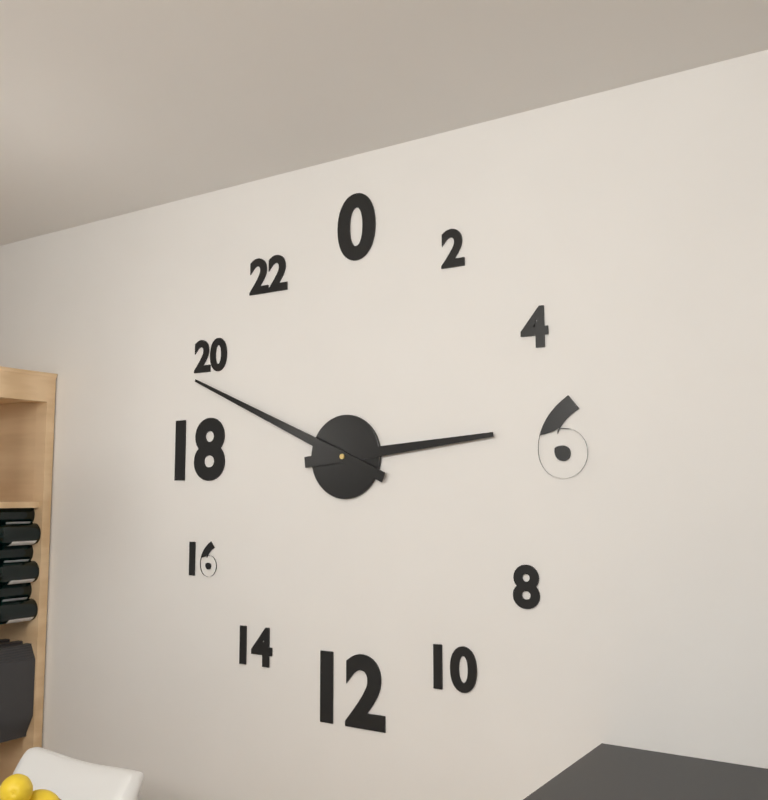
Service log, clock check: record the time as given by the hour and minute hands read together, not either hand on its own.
2:49
